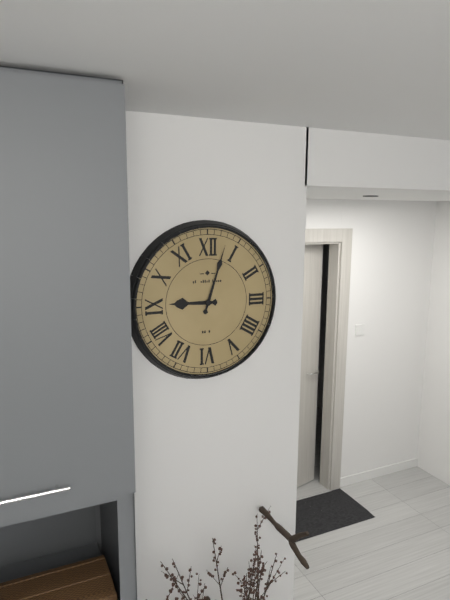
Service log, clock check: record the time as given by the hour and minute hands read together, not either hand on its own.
9:03
